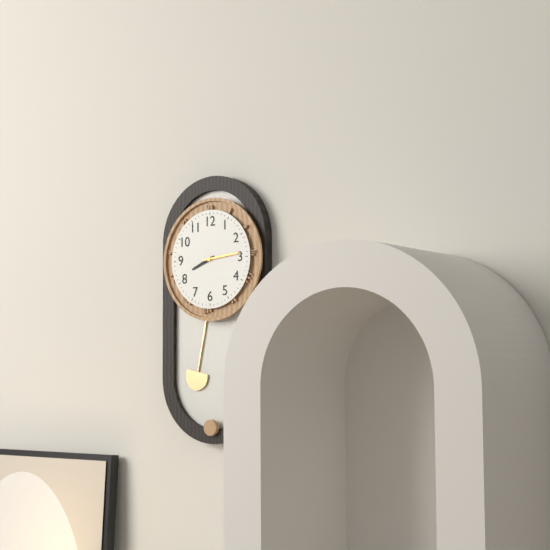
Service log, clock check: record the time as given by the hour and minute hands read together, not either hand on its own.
8:14
